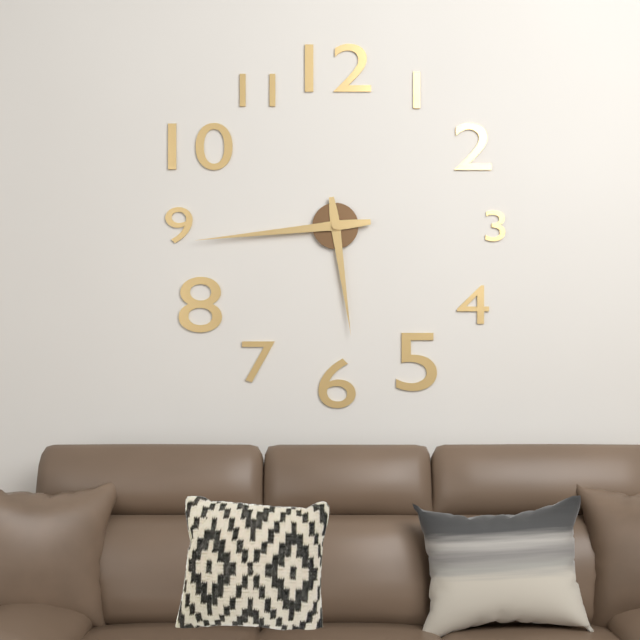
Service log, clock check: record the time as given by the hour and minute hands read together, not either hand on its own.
5:44
